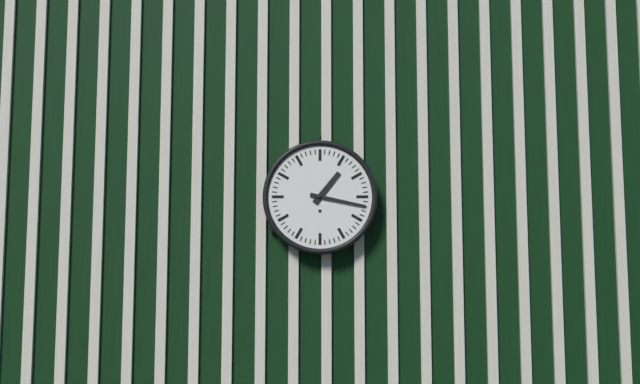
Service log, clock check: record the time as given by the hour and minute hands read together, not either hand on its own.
1:17
